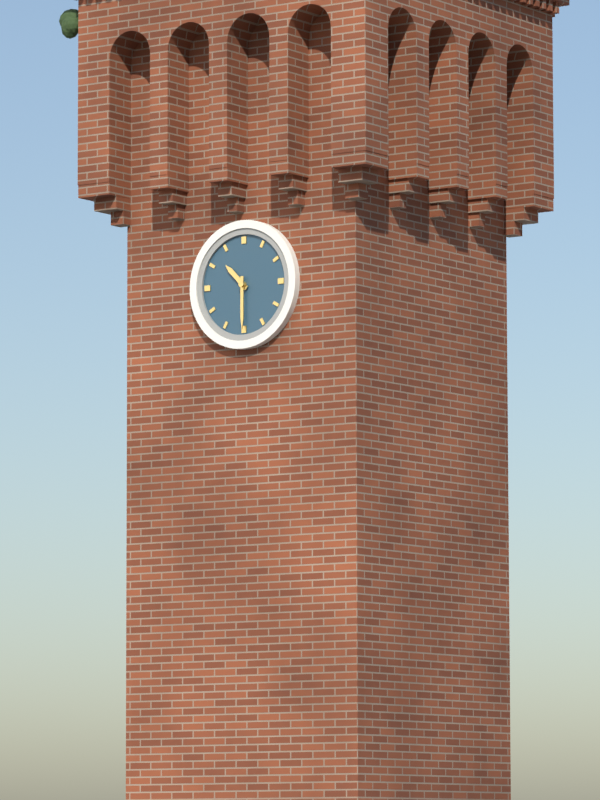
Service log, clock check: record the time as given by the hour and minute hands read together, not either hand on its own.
10:30
